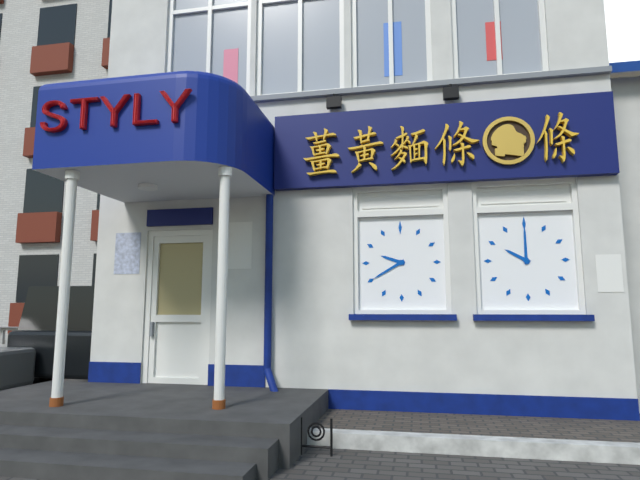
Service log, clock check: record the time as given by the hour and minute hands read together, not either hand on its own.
9:40
